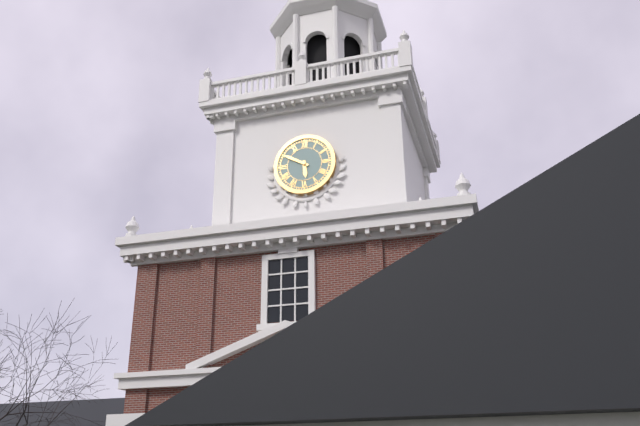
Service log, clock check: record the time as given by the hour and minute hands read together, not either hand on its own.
5:50
